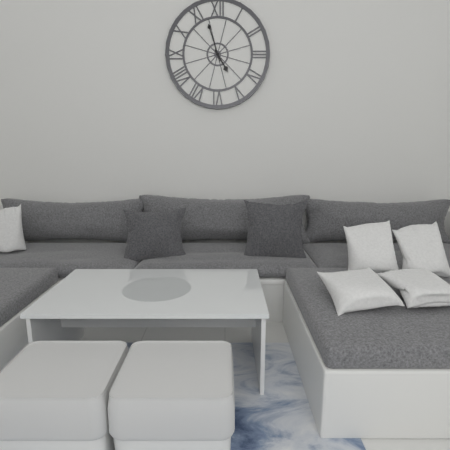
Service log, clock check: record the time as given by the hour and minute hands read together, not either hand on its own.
4:57
